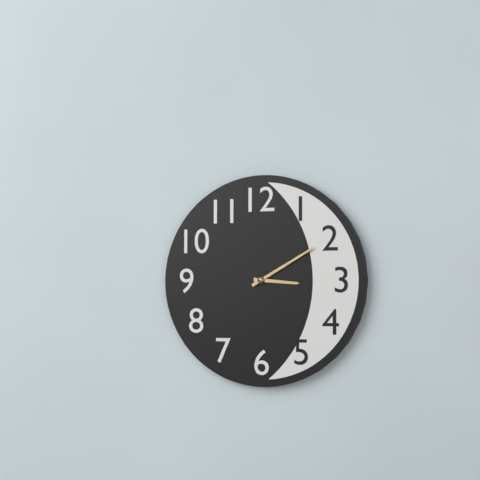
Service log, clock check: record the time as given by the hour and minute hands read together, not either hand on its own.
3:10
